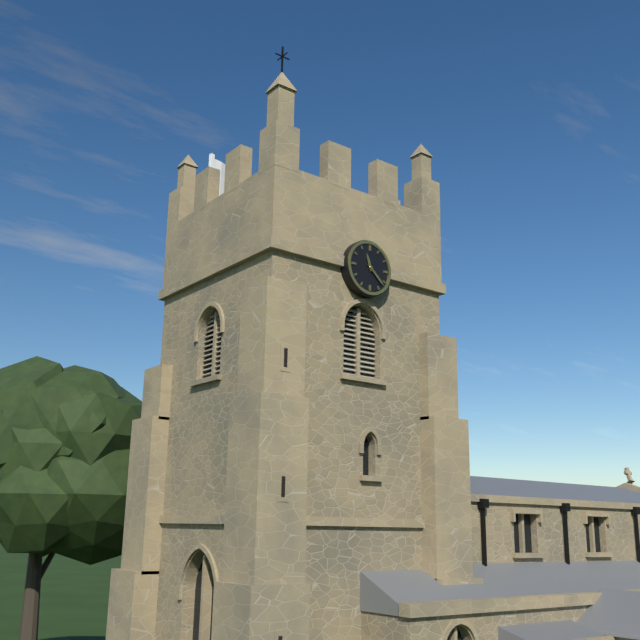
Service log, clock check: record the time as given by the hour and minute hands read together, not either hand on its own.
11:22
